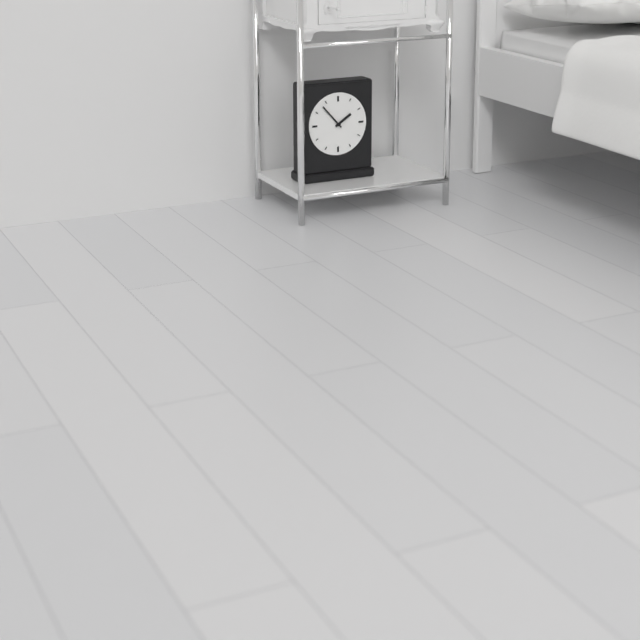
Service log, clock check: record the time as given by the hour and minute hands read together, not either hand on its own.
1:53
